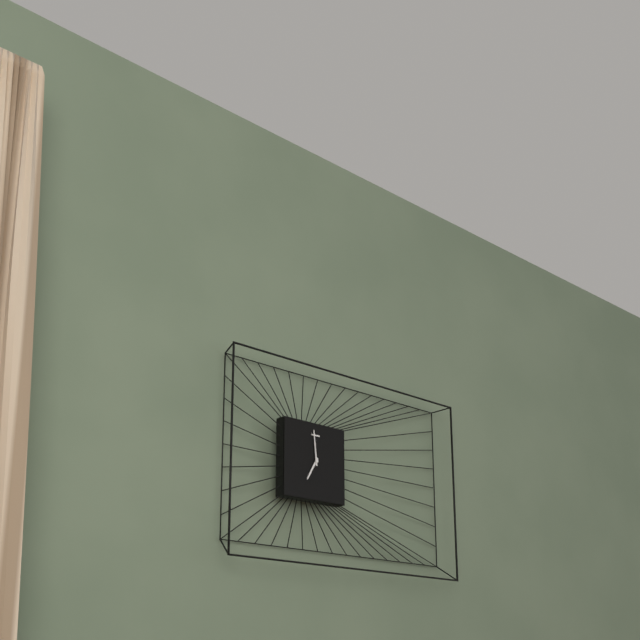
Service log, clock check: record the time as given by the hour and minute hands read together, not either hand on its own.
6:59
